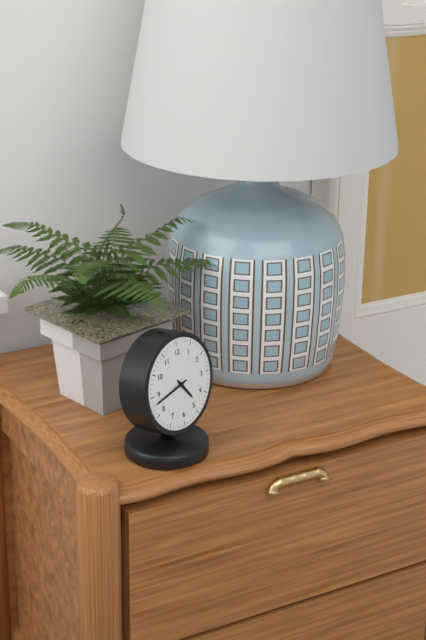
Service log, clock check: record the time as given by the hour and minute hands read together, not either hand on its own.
4:43
